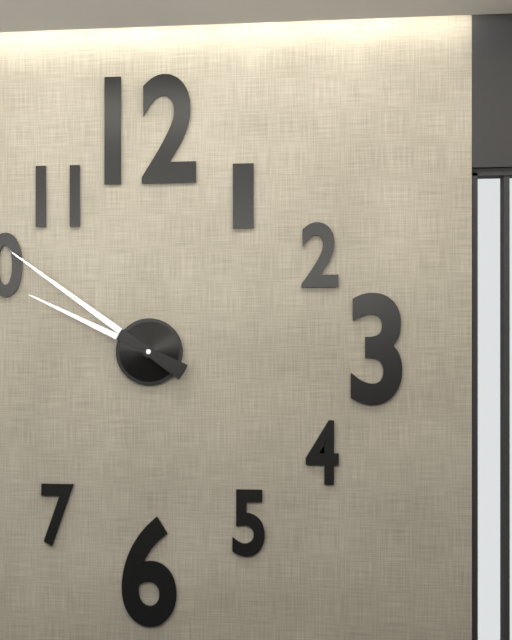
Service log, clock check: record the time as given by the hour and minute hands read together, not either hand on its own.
9:51
